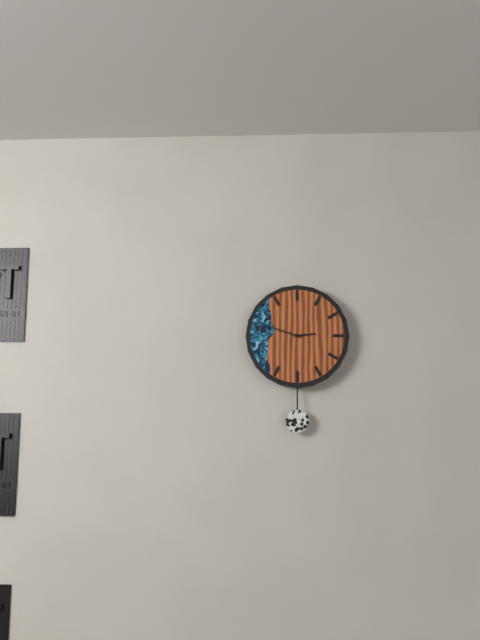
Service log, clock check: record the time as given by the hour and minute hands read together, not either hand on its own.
2:48
